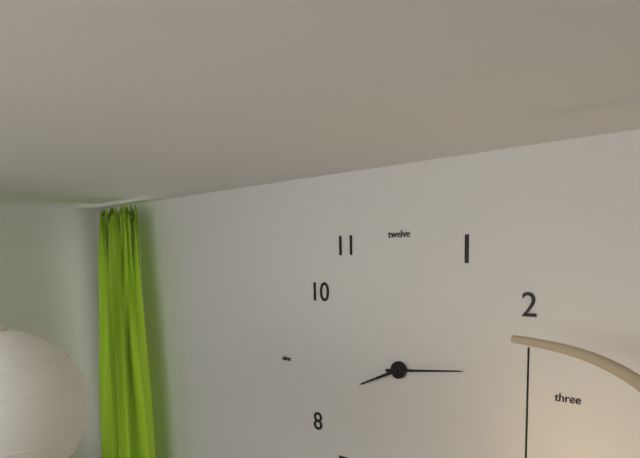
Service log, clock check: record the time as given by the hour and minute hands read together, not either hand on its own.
8:14
